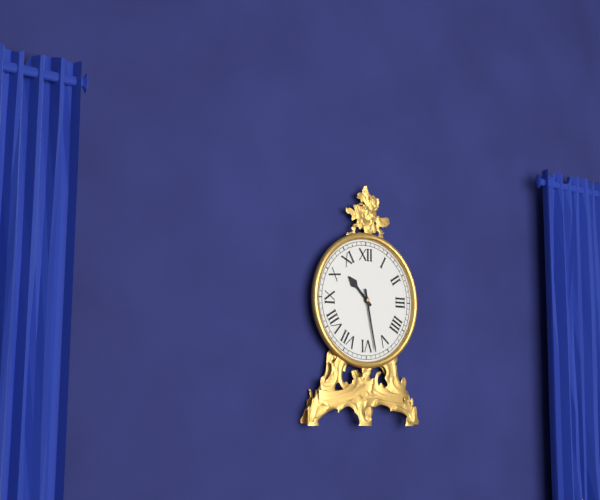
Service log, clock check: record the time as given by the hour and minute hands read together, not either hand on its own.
10:28
